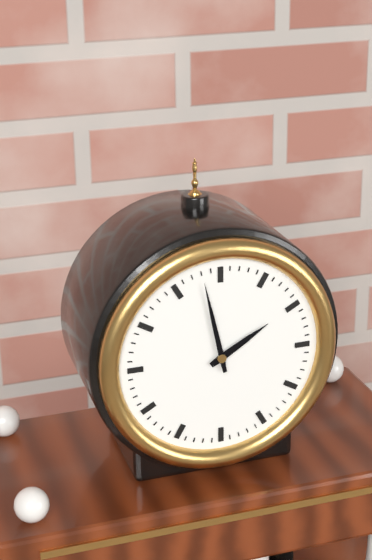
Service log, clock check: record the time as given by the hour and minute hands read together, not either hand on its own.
1:58
